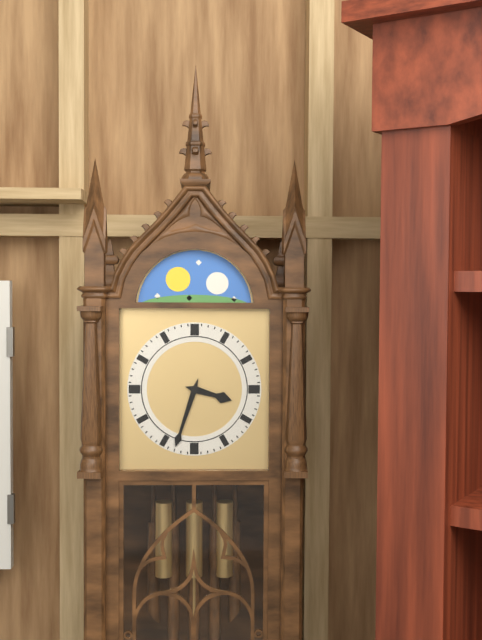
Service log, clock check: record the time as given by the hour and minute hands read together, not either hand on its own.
3:33
